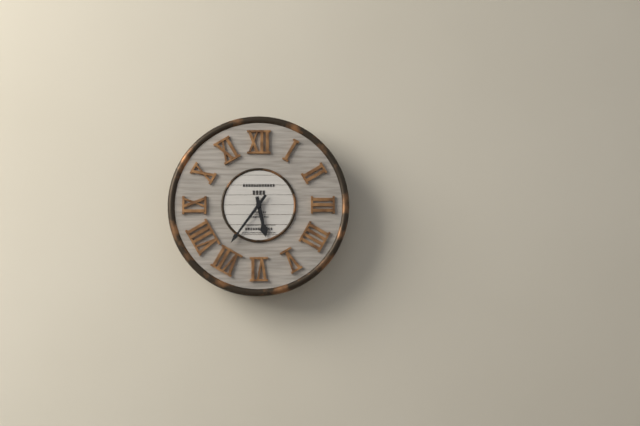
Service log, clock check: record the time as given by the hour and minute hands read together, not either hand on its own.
5:36
